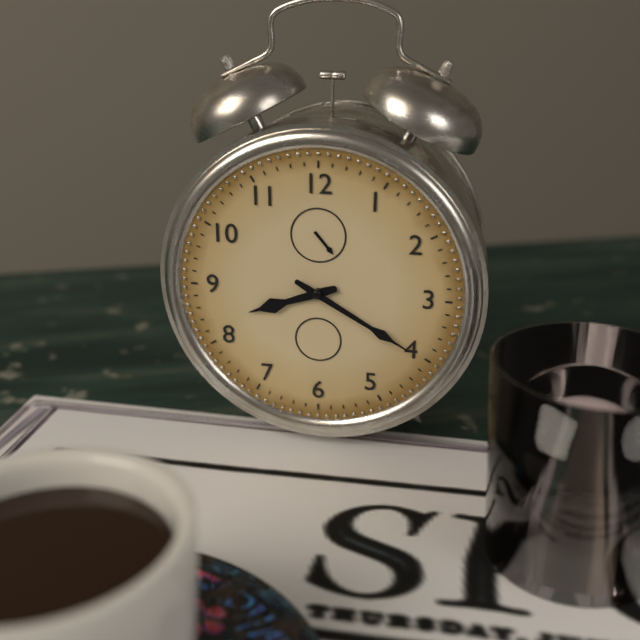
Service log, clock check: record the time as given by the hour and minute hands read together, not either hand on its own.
8:20
